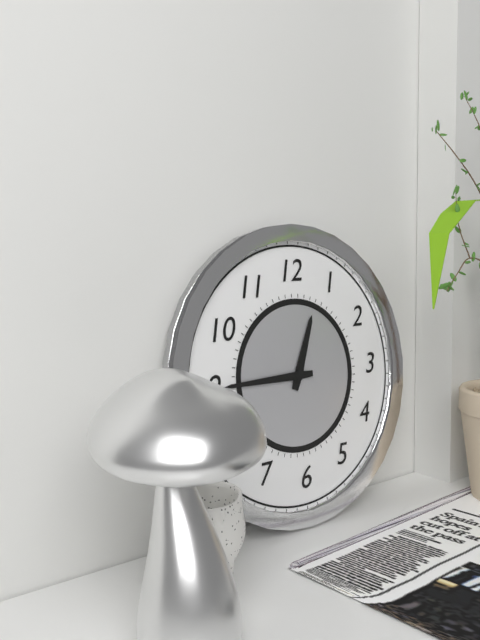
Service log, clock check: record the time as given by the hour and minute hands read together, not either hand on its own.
12:45
